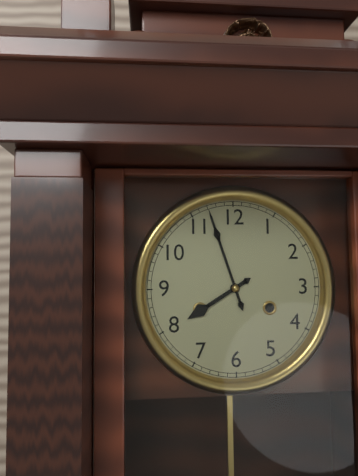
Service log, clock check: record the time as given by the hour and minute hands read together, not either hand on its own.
7:57
